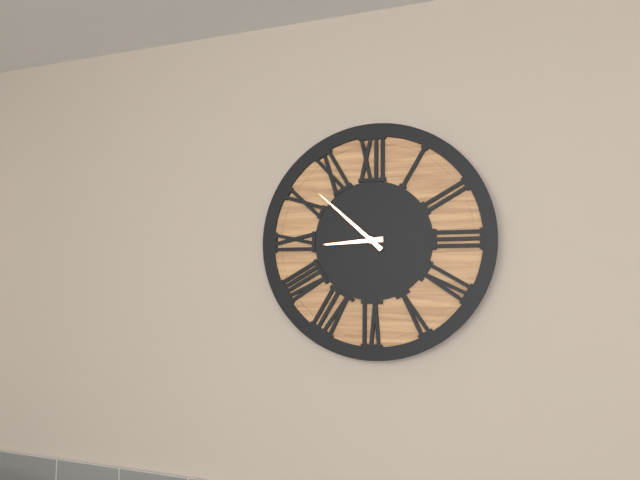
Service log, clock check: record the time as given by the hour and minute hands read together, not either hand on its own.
8:52
